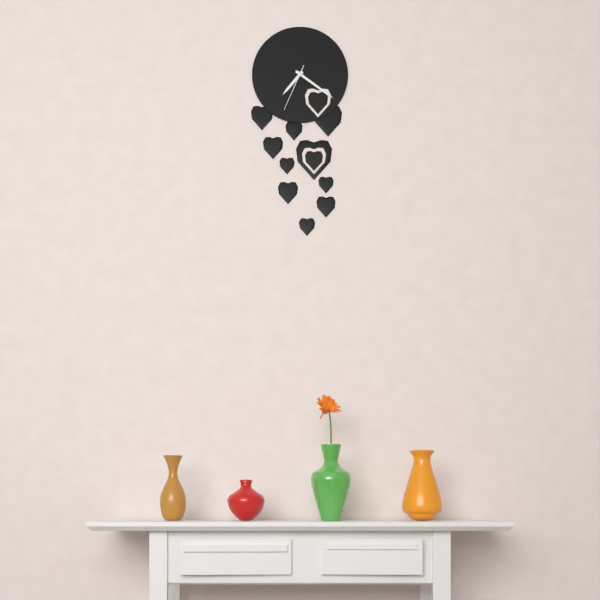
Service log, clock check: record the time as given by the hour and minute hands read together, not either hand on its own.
7:21
